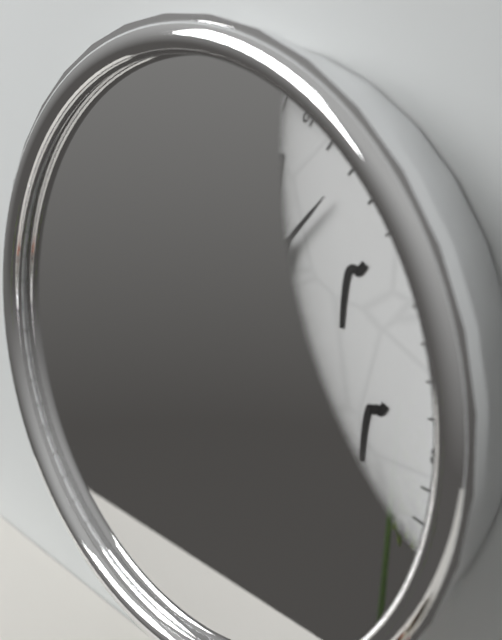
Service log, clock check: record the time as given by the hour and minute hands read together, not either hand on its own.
6:07
